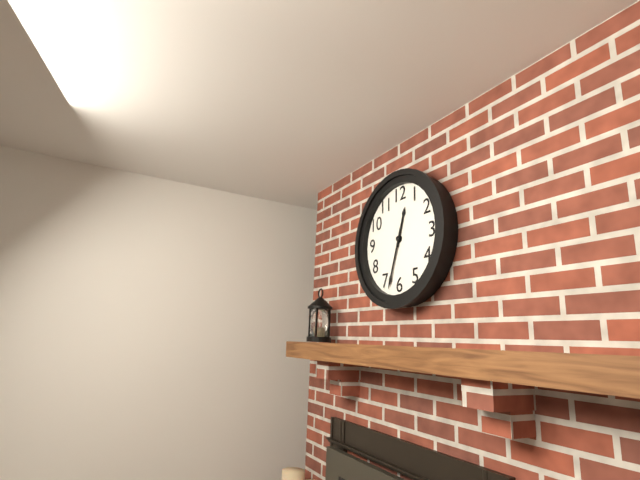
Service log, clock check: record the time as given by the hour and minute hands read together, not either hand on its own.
12:33
